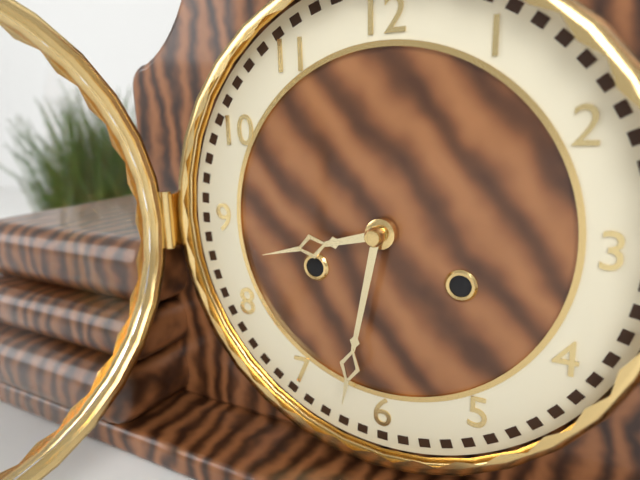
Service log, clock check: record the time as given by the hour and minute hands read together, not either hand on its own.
8:32
